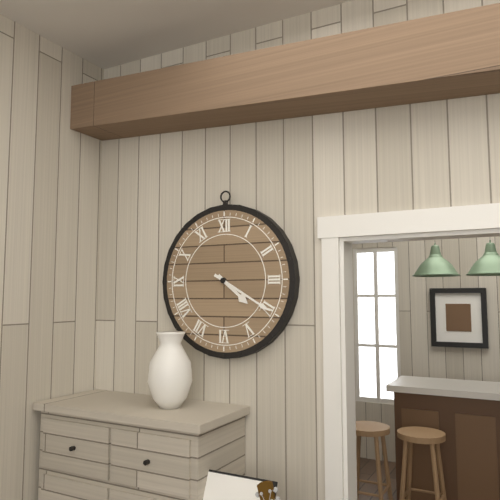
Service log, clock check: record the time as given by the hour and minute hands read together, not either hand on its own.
4:20
